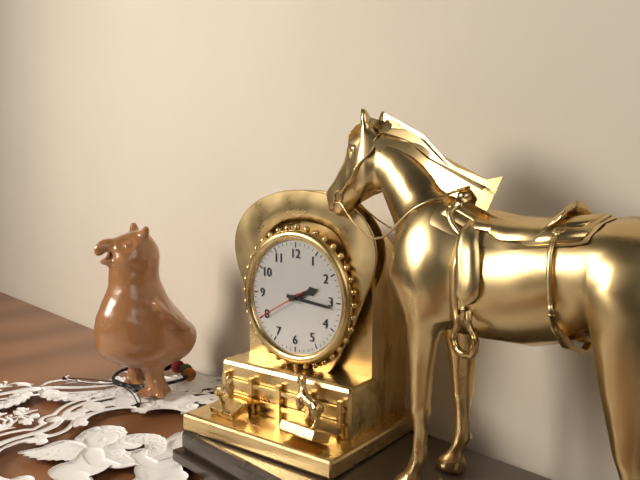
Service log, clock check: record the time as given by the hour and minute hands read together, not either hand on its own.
2:16
